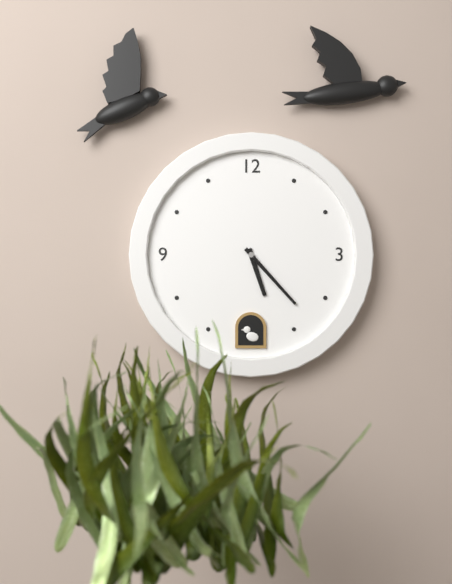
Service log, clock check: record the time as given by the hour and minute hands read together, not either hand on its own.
5:23
